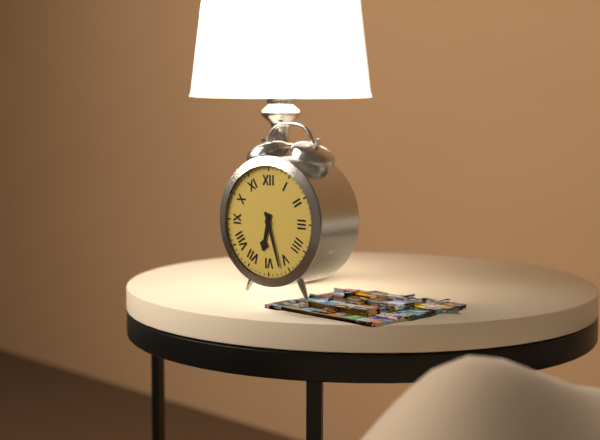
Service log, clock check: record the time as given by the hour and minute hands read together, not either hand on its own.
6:27
